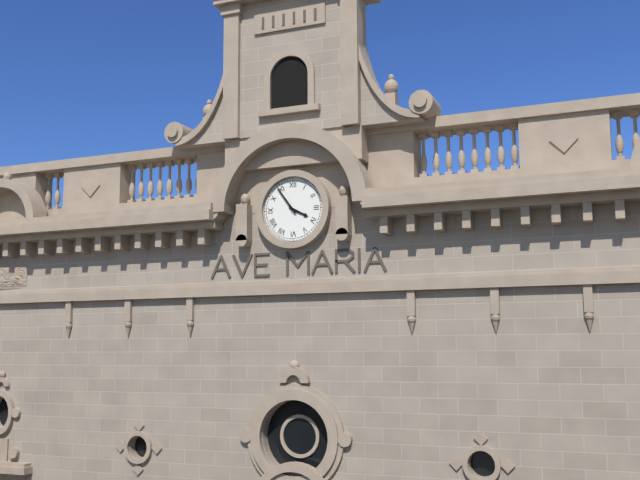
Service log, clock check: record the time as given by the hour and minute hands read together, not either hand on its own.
3:54
